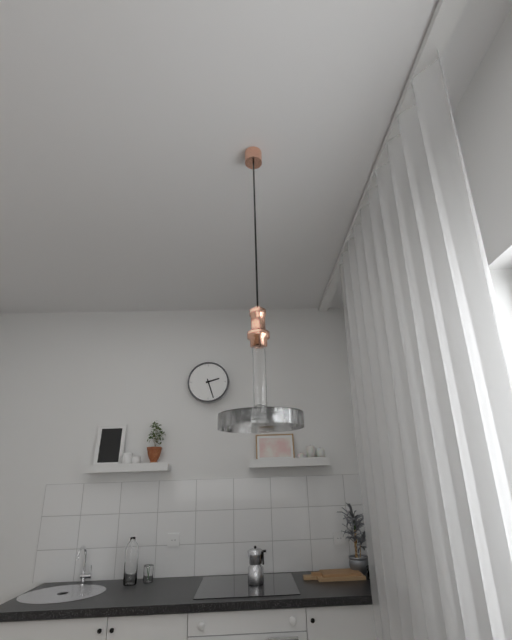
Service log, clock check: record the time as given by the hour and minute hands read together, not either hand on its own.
2:27
